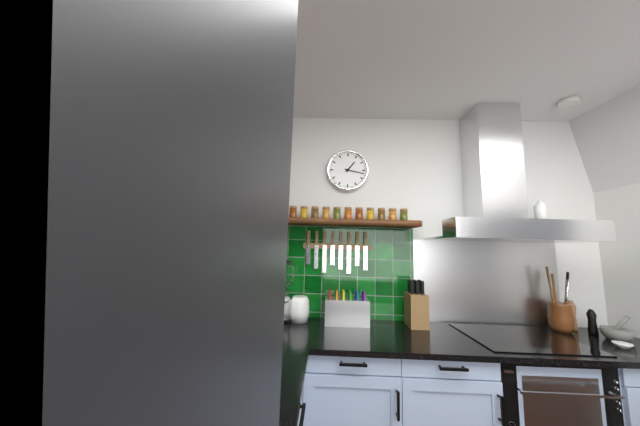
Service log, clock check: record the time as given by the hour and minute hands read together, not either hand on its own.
1:17
